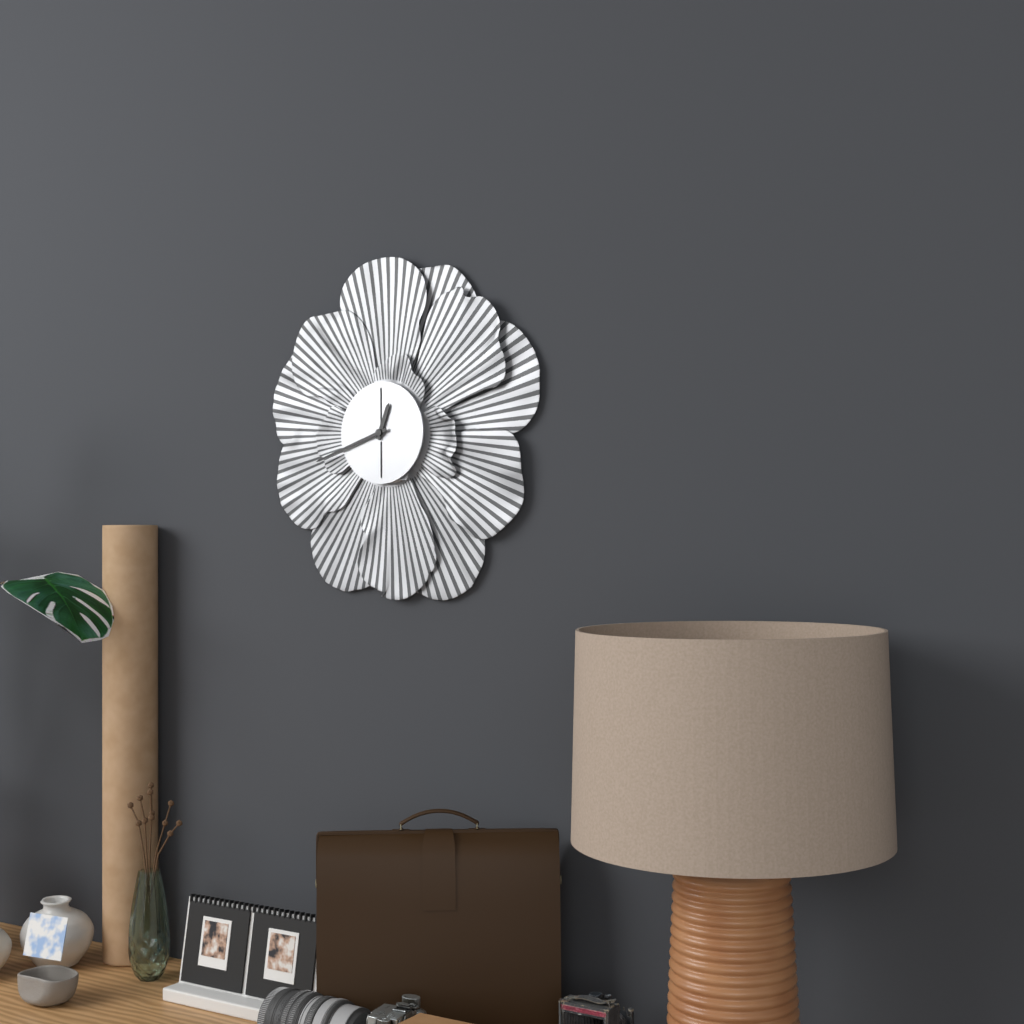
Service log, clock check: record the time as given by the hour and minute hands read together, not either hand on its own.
12:42
